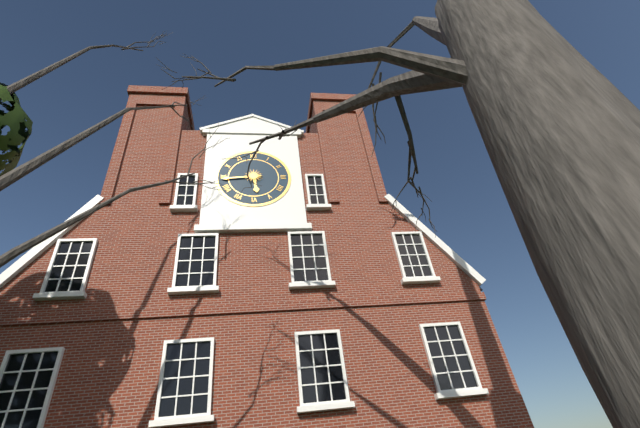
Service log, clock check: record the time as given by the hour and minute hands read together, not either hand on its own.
5:44
